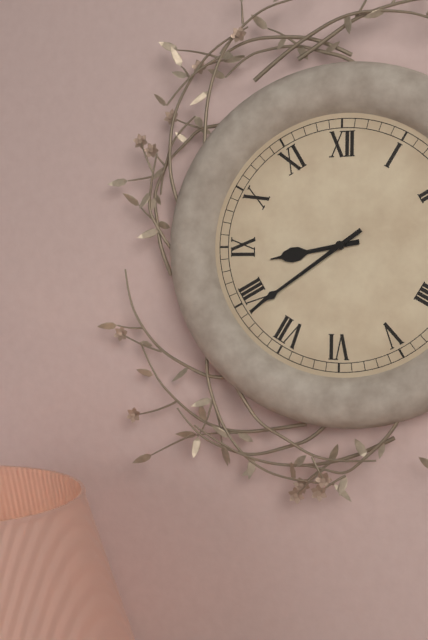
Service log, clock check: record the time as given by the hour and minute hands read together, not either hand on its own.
8:39
